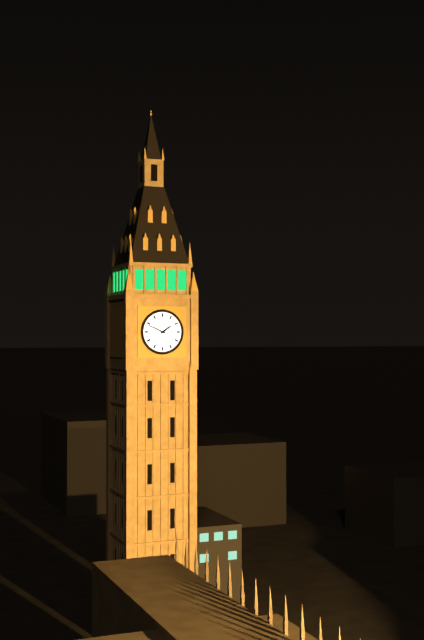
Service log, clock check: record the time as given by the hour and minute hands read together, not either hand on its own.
1:49
